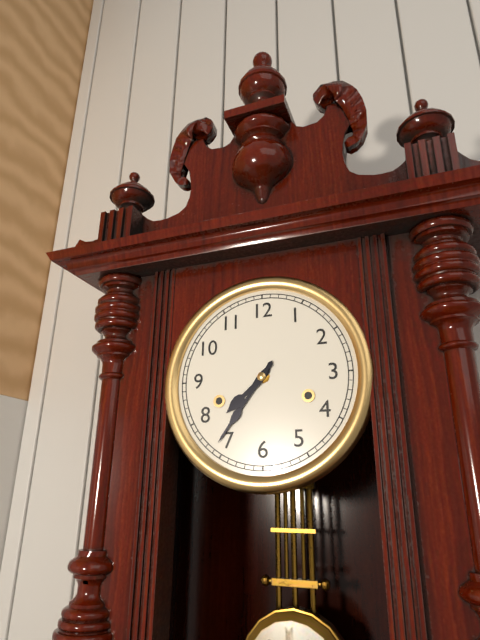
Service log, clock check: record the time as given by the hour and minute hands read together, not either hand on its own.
7:36
